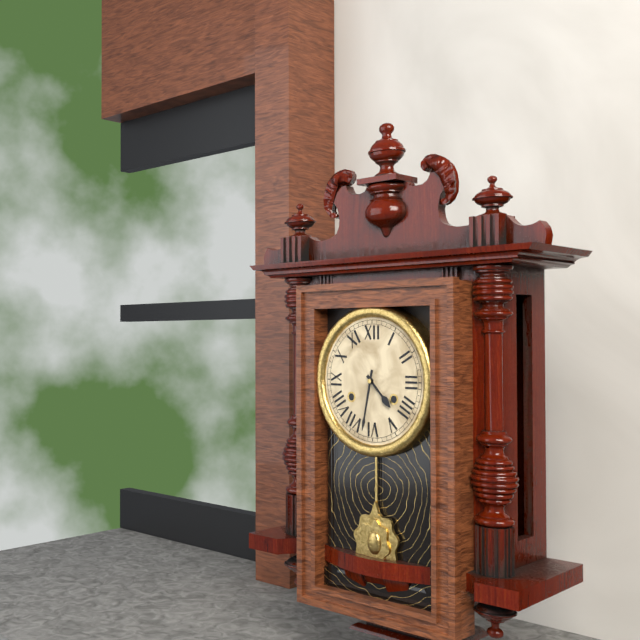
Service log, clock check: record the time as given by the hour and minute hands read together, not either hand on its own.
4:32
